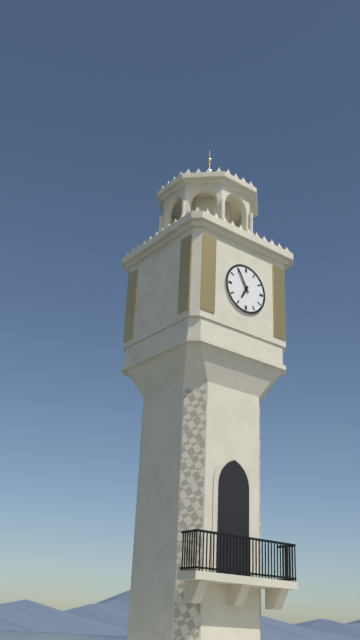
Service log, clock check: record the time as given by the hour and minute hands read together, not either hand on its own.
6:55
